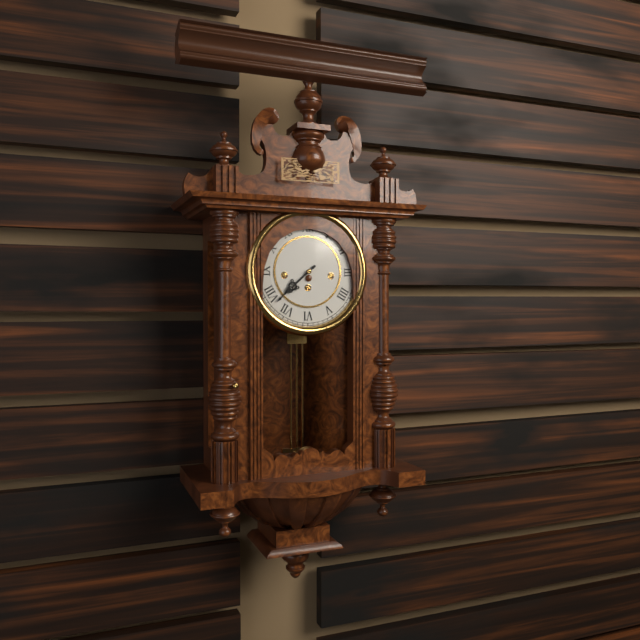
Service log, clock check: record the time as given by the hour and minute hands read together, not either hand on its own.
7:38
